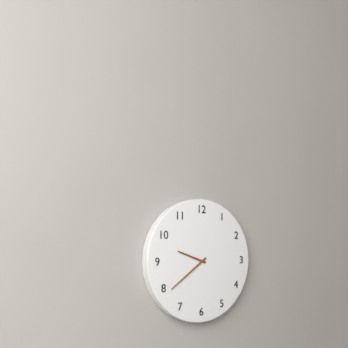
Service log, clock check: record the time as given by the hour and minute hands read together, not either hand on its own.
9:39
